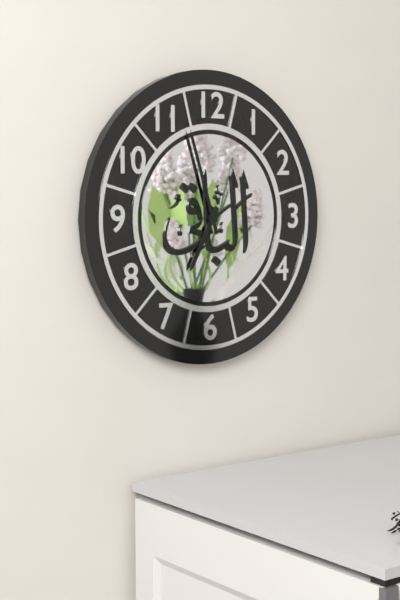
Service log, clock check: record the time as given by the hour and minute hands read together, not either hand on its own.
6:57
